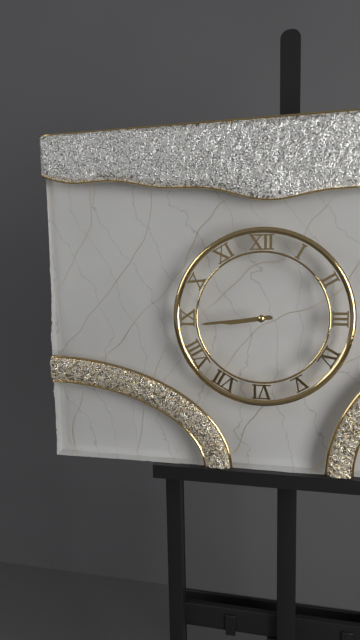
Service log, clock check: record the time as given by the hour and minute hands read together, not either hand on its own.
8:44
